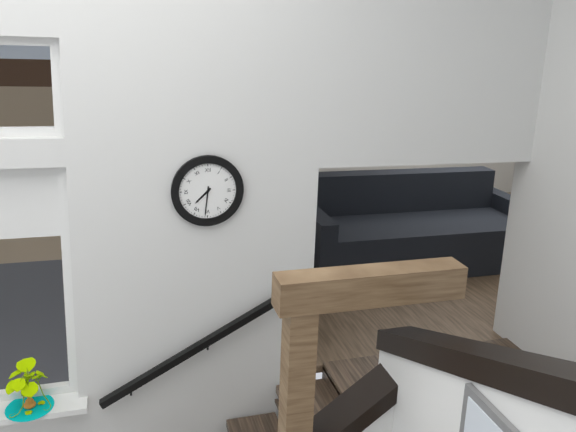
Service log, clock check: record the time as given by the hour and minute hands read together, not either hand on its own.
7:31
